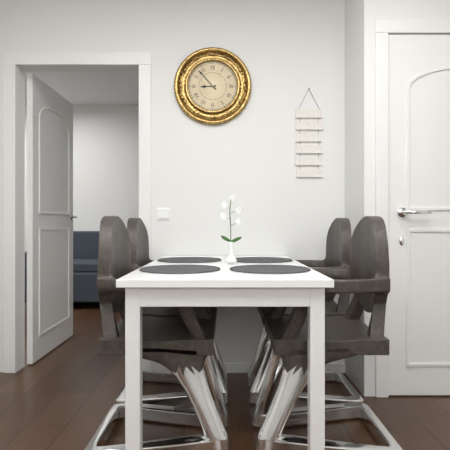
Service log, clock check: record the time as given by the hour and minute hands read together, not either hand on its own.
8:53
